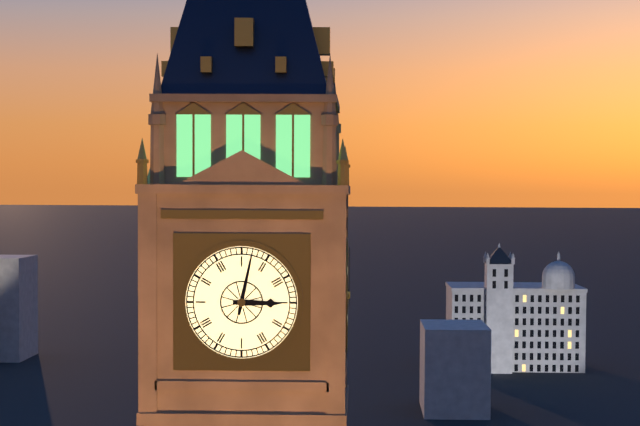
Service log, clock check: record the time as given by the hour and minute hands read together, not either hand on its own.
3:02
